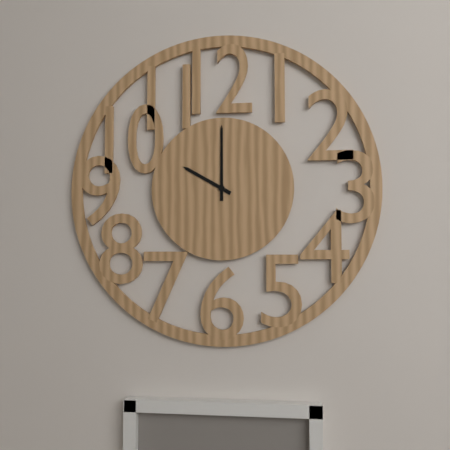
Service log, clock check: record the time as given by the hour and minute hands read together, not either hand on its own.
10:00
